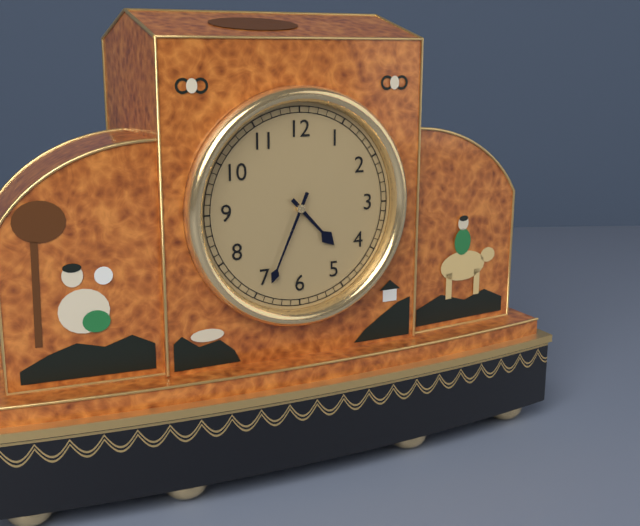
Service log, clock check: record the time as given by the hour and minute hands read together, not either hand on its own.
4:34
